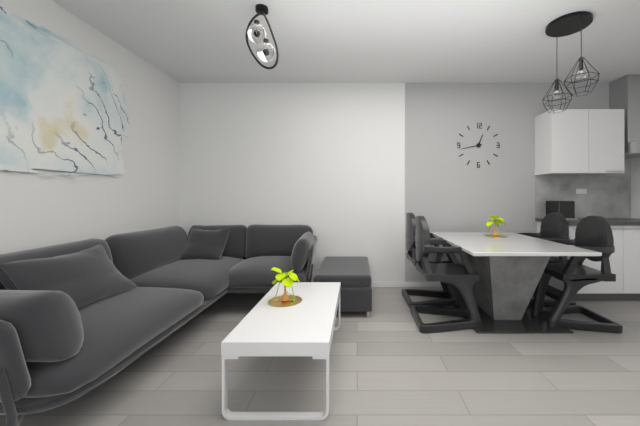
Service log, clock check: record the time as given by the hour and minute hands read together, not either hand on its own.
12:43
